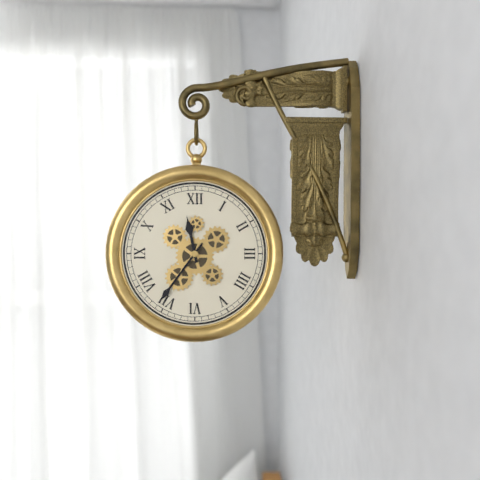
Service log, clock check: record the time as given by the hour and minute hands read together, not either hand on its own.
11:36
